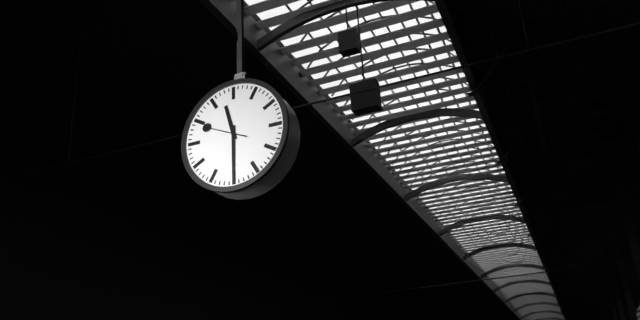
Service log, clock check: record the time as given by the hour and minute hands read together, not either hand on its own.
11:30
